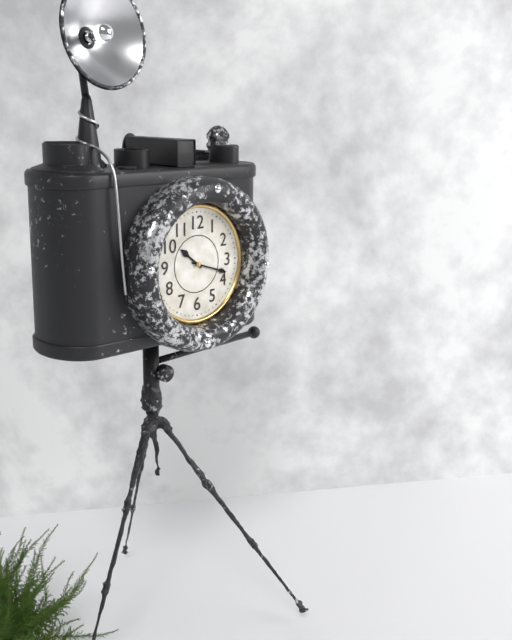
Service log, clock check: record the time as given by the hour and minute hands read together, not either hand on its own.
10:18
